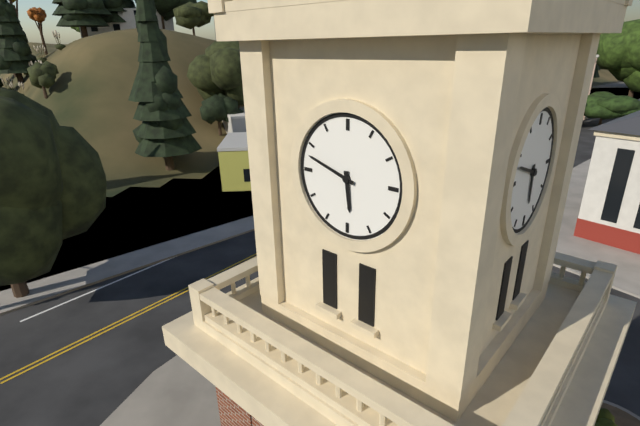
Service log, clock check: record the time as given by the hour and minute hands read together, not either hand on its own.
5:48
